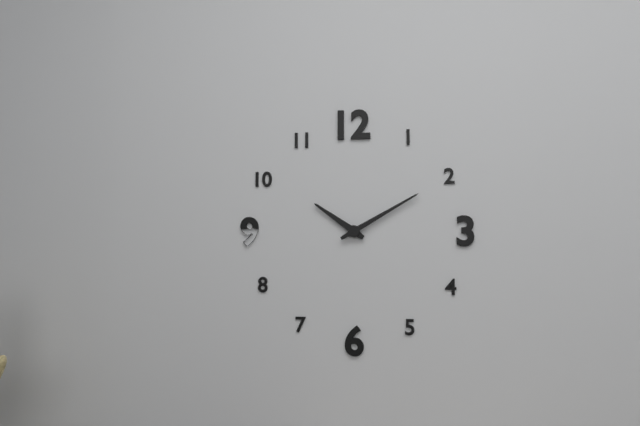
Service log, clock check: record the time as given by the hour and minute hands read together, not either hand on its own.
10:10
